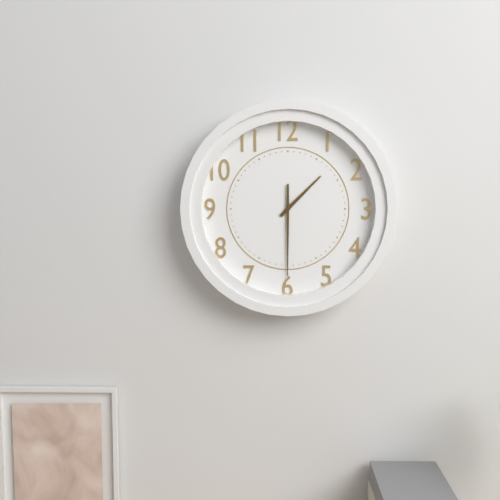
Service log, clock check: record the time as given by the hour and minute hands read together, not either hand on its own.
1:30
